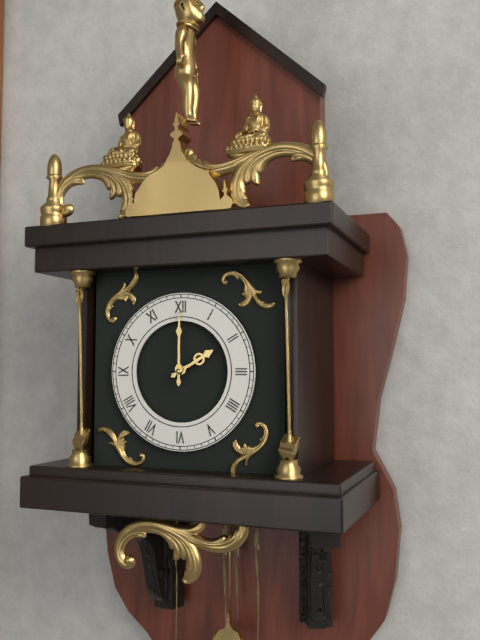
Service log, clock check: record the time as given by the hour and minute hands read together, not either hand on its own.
2:00
